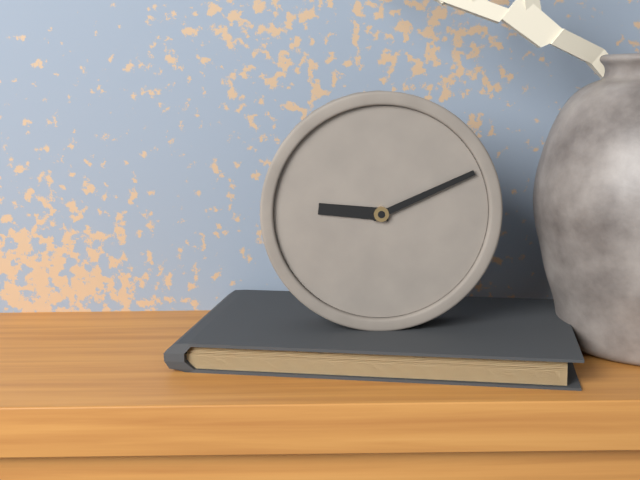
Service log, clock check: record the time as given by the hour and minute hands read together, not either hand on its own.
9:11
